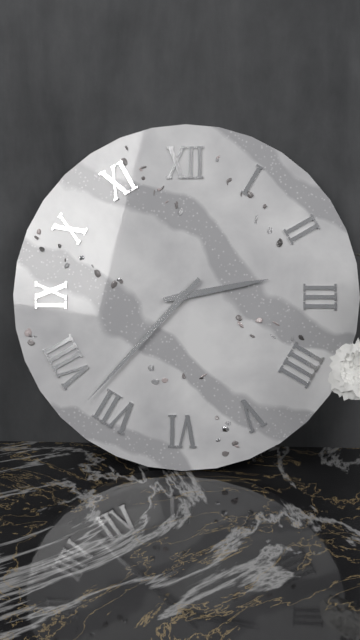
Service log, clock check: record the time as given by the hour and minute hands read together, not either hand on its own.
2:37
